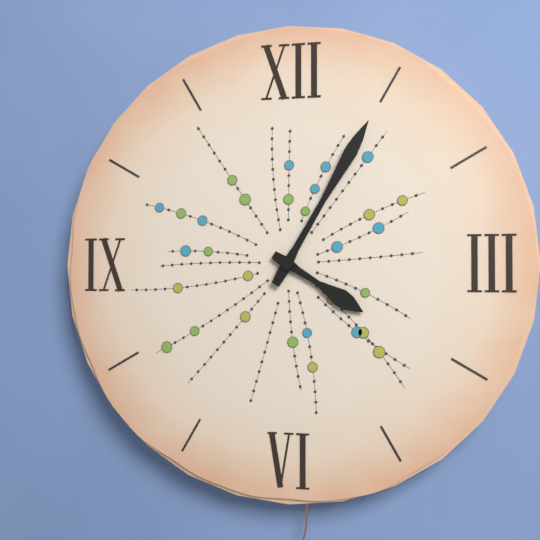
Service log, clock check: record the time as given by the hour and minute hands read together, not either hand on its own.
4:05
